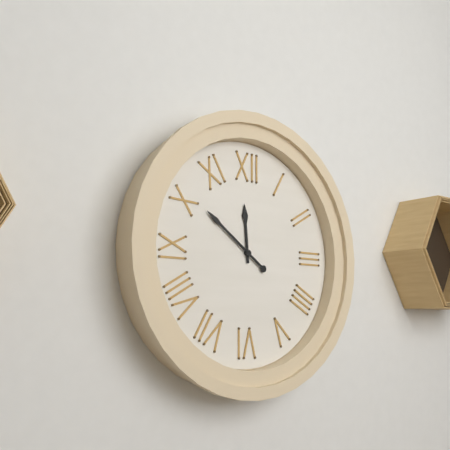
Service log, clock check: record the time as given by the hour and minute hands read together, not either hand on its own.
11:51
